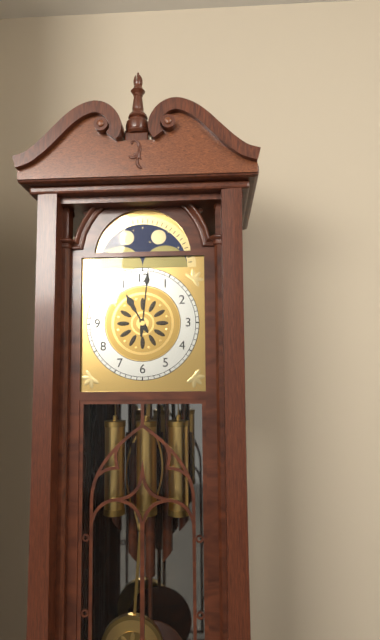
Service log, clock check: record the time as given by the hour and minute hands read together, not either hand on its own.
11:01
